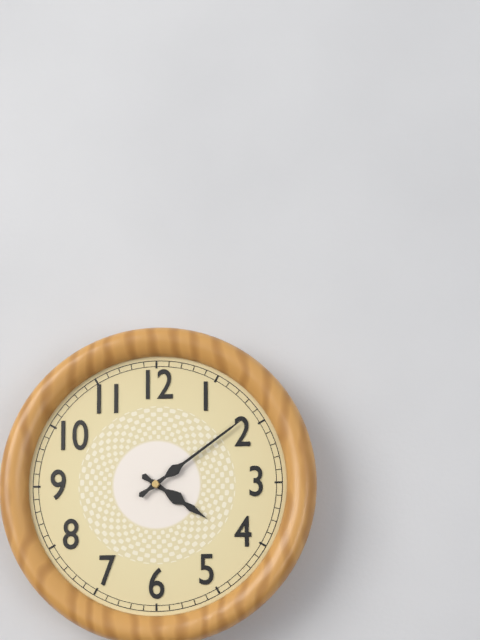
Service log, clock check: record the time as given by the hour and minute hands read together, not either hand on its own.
4:09
